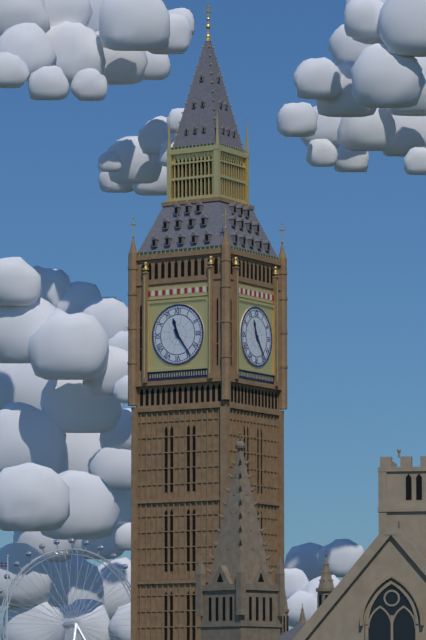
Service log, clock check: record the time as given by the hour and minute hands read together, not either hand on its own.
11:24
